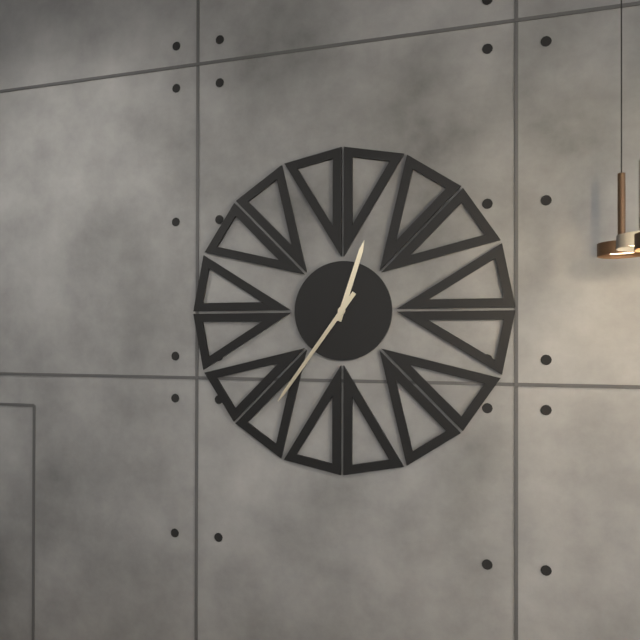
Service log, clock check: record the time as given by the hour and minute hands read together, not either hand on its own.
12:36
